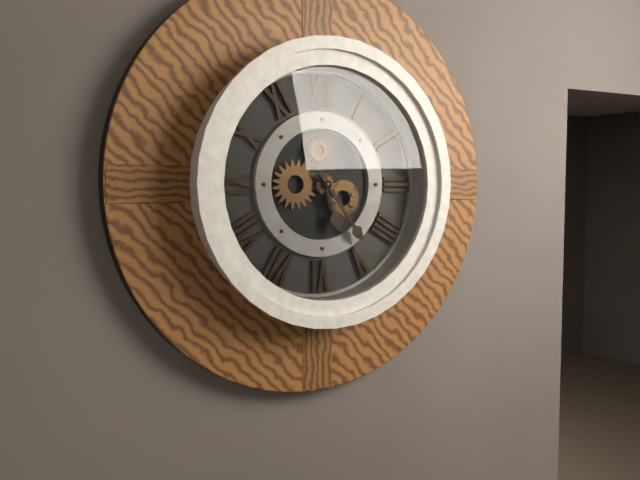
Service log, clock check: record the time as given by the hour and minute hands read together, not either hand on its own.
5:24
